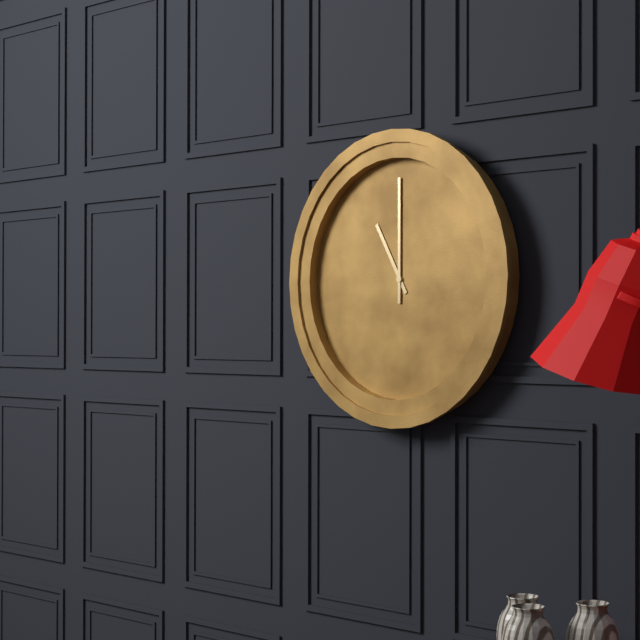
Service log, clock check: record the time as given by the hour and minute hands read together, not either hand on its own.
11:00
